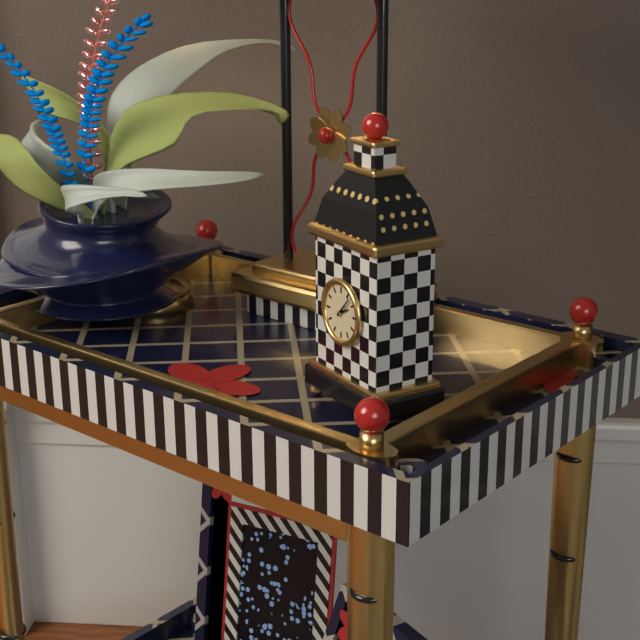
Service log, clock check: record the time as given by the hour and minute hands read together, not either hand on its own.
2:07
